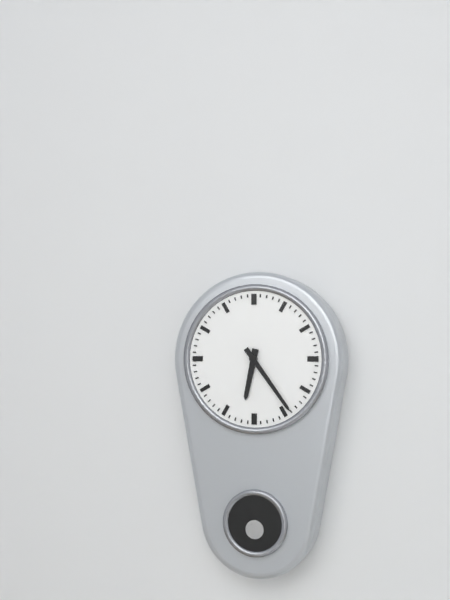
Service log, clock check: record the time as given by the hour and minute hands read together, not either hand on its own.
6:24
